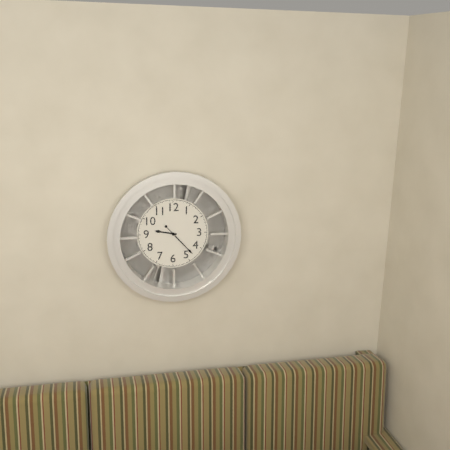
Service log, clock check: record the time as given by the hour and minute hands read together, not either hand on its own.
9:23
